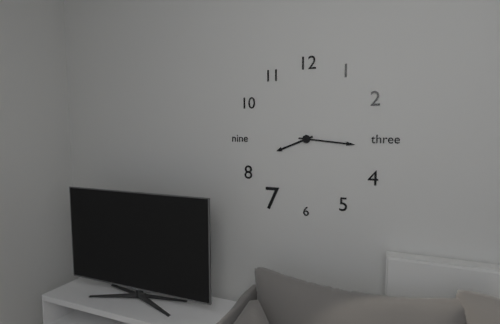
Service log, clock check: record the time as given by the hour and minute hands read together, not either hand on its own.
8:16
